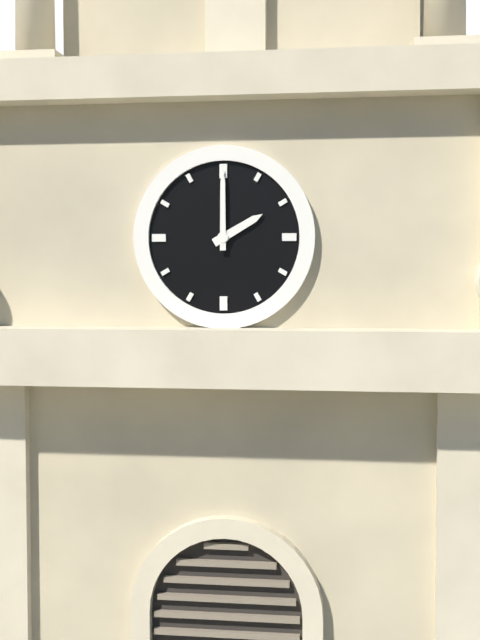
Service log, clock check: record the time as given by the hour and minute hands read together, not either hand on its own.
2:00
